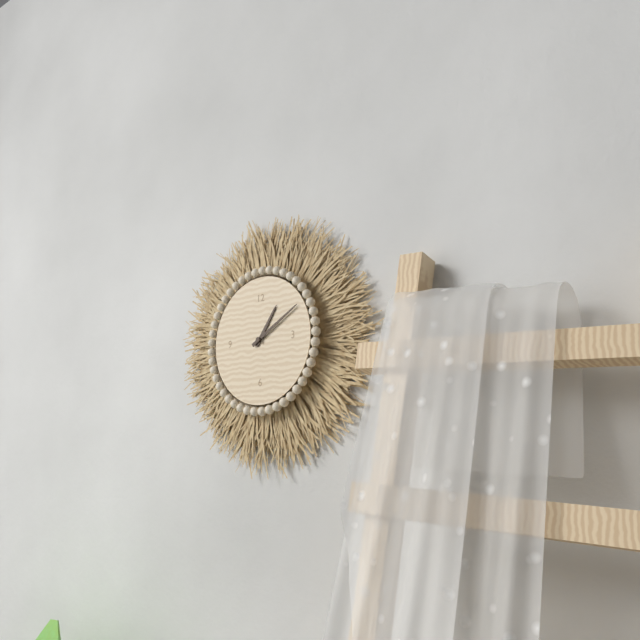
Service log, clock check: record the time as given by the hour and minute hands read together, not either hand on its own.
1:10
